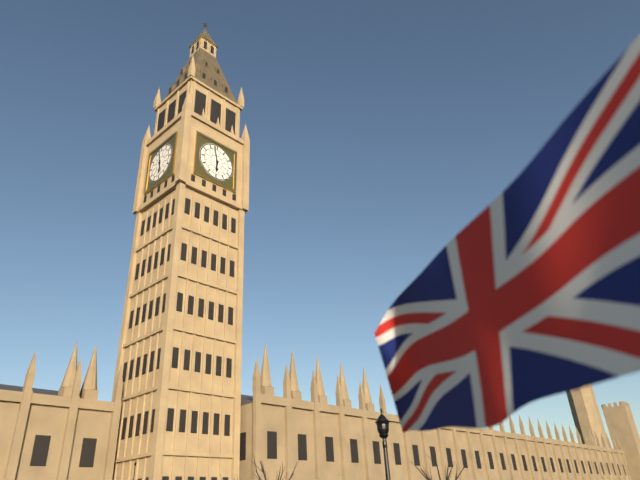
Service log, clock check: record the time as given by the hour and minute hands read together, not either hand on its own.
5:58
